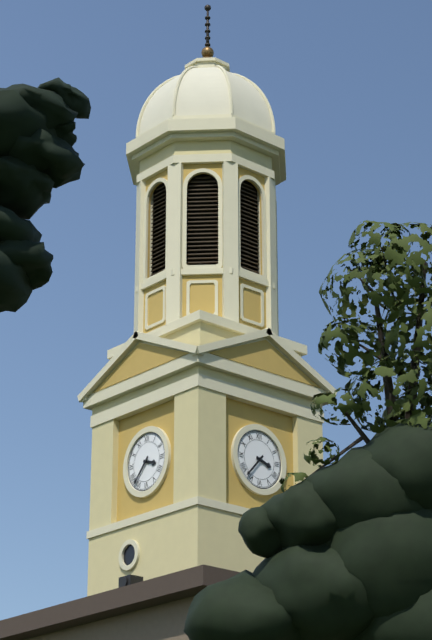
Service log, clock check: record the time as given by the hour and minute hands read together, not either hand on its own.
3:37
